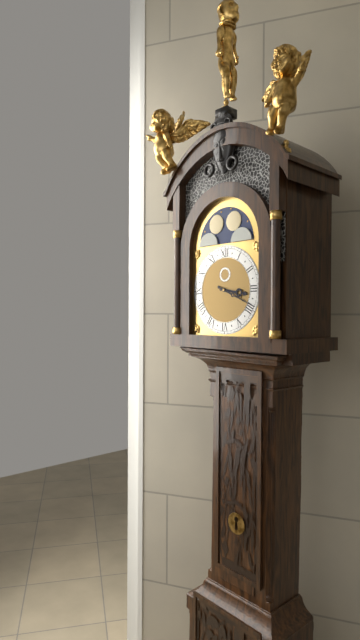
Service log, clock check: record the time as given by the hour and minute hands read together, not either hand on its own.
3:19
